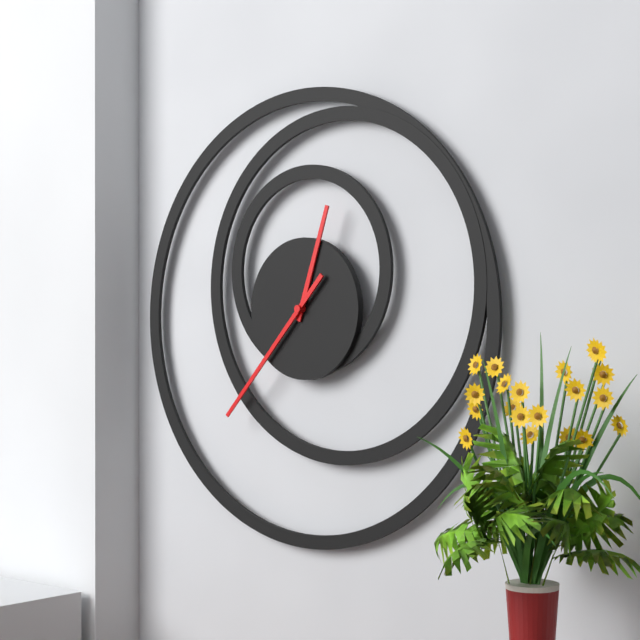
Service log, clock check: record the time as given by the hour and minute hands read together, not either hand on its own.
12:37
